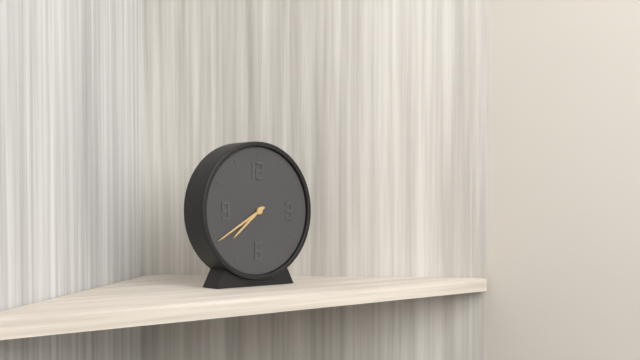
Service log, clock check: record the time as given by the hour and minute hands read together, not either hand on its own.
7:40
